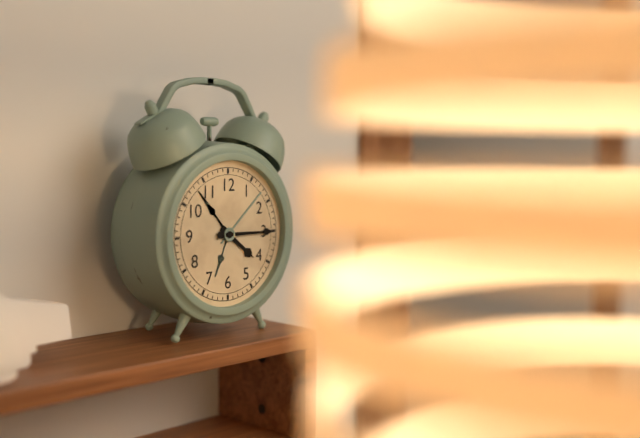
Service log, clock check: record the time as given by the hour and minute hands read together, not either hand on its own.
4:15
